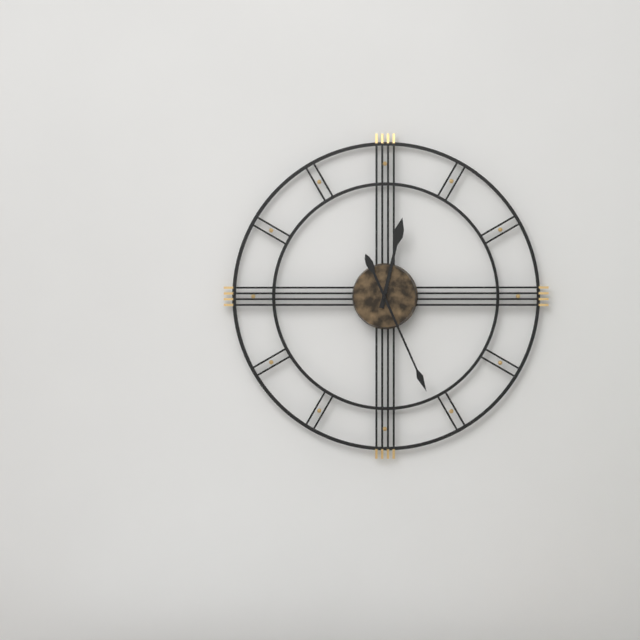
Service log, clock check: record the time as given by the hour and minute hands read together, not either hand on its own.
12:26
